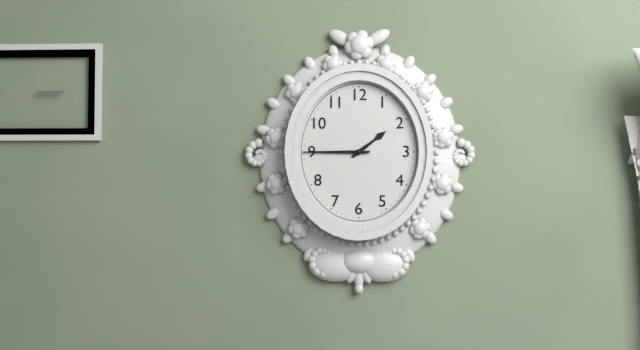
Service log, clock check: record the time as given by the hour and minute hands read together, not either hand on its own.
1:45
